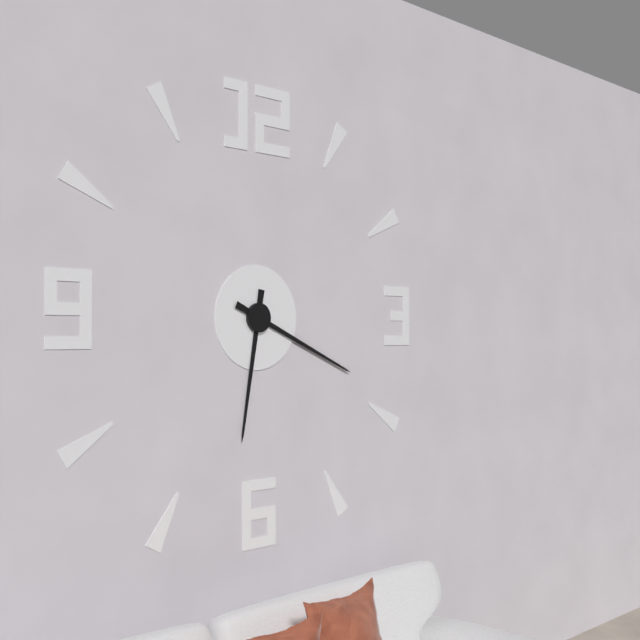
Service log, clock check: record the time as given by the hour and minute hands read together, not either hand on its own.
6:19
